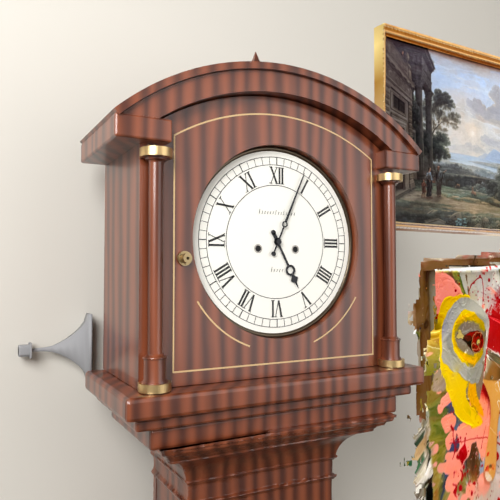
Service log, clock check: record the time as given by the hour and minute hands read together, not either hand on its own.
5:04
